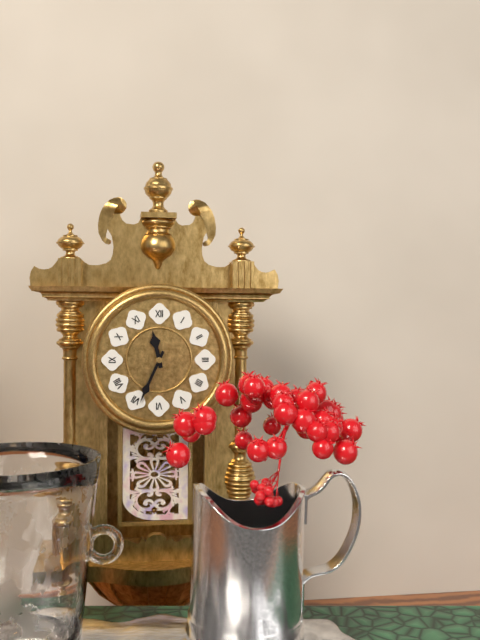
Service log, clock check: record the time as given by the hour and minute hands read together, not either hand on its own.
11:34
